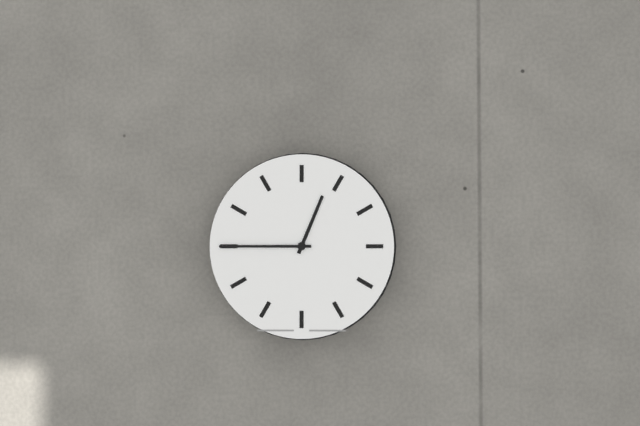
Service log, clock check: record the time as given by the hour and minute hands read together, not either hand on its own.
12:45
